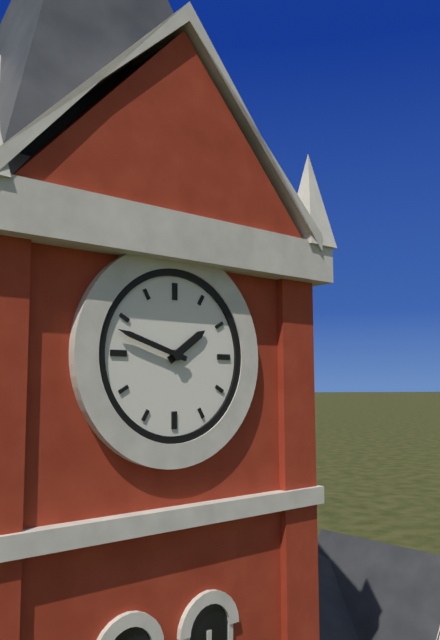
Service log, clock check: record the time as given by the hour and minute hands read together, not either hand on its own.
1:48
